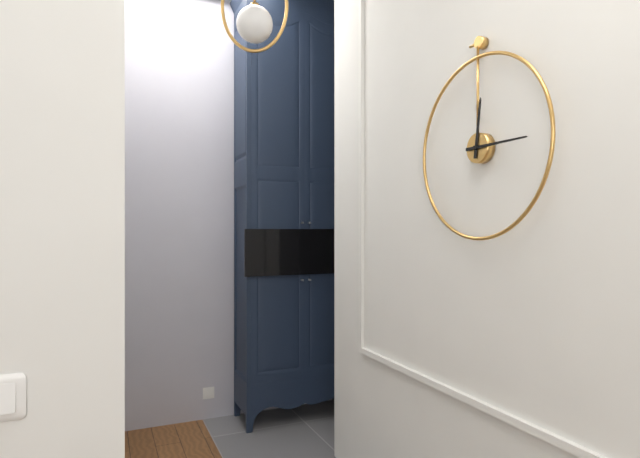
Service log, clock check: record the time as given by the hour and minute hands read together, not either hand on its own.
12:15
